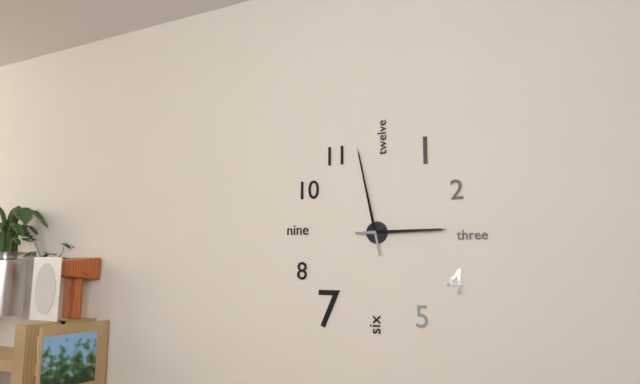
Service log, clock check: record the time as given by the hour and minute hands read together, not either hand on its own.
2:58
